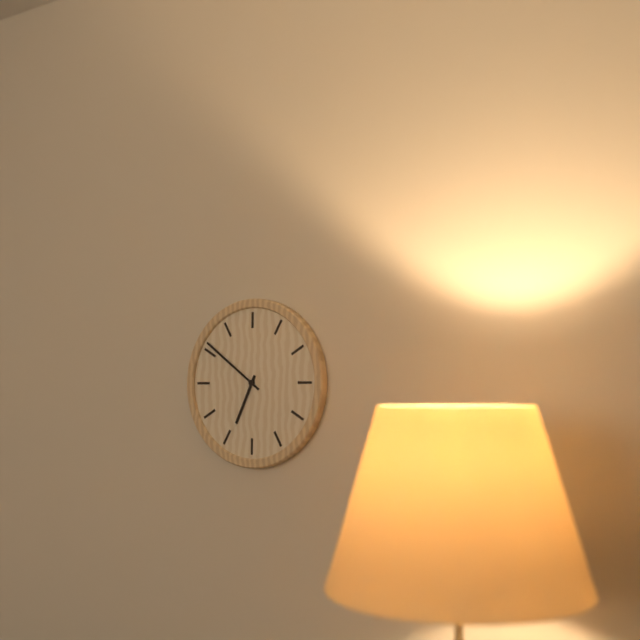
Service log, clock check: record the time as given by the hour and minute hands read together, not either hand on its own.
6:51
